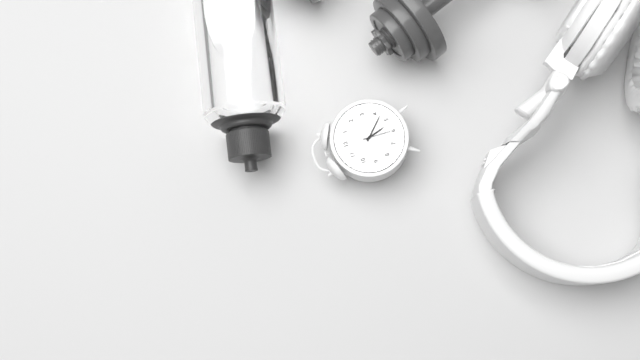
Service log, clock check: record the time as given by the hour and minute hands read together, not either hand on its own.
5:22
